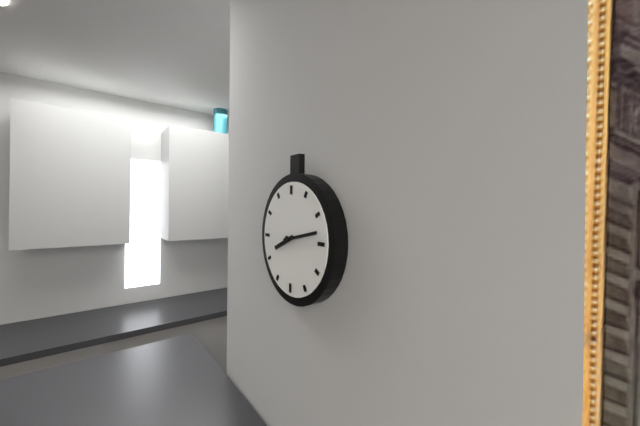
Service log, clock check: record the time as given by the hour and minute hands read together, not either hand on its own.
8:13
